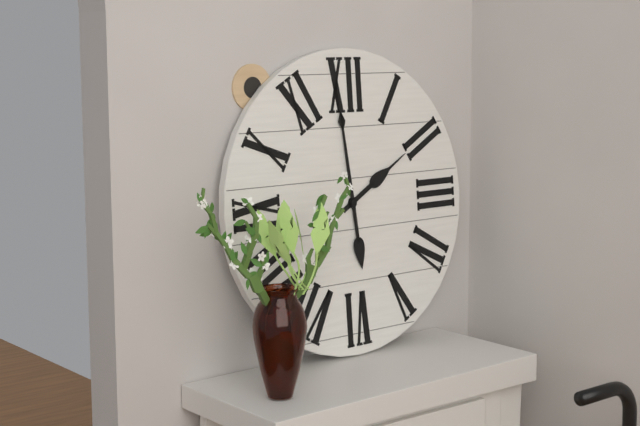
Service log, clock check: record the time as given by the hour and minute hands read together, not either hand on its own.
1:59
